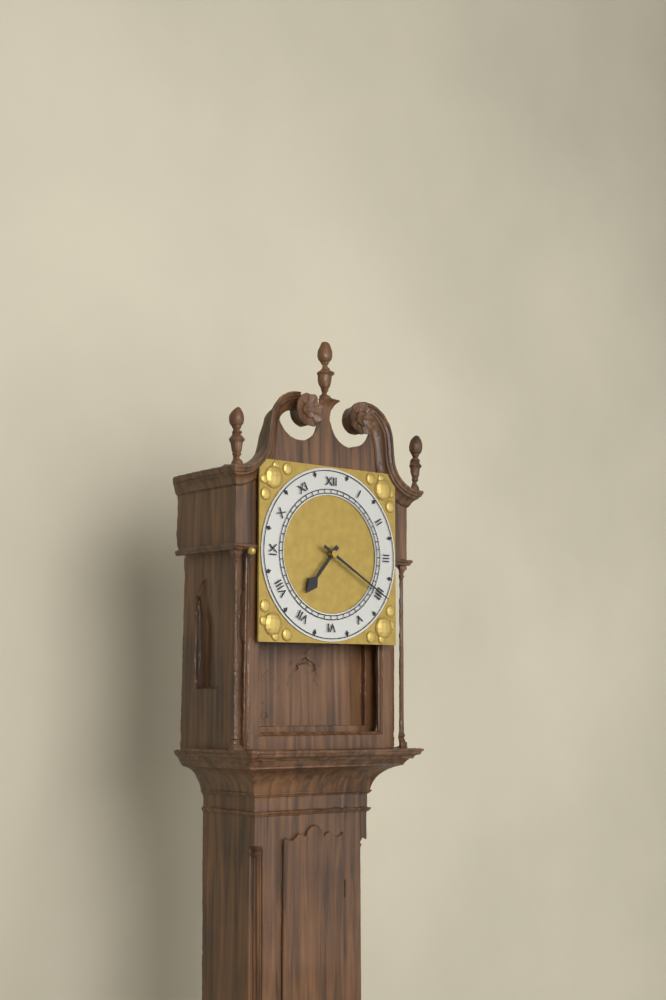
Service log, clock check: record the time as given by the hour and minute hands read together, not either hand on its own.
7:20
